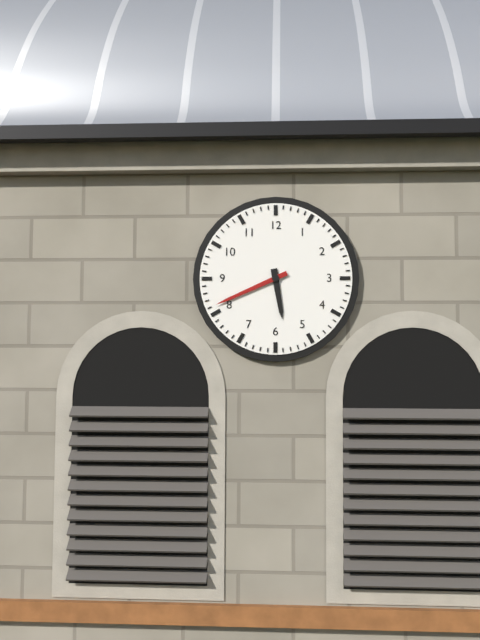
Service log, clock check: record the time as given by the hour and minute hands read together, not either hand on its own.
5:41
